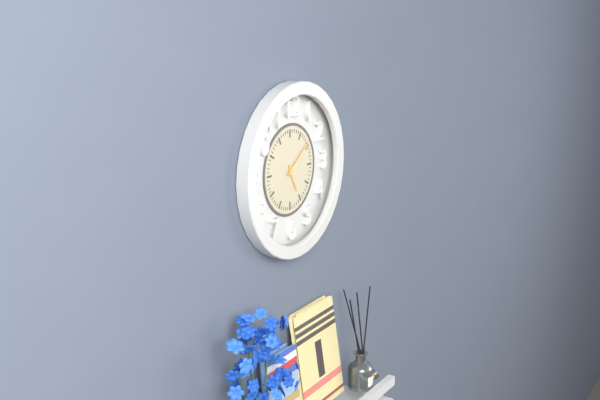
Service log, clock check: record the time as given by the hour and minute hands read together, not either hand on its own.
5:09
